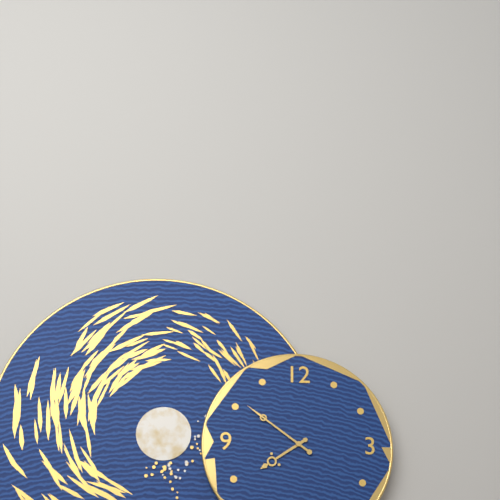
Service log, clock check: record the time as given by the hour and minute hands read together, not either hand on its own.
7:51
